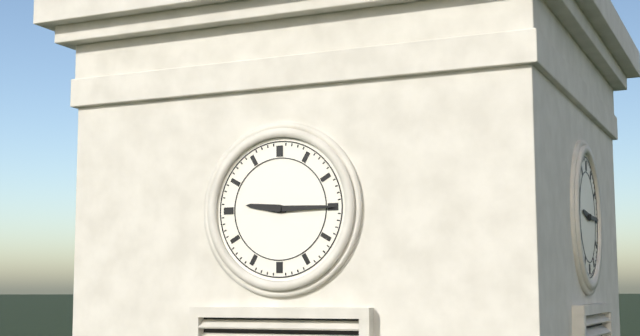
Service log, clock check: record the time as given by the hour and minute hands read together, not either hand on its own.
9:15
